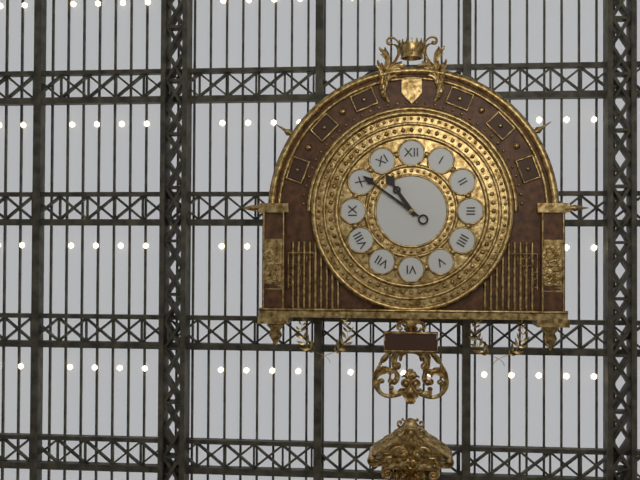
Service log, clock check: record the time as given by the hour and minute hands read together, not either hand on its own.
10:51
